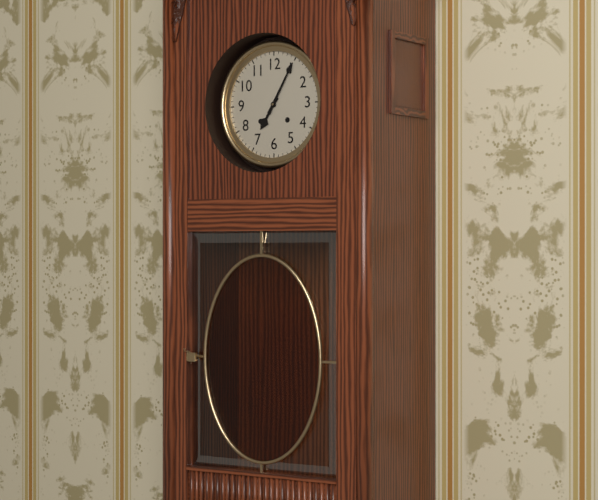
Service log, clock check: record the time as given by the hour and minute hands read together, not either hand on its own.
7:05
